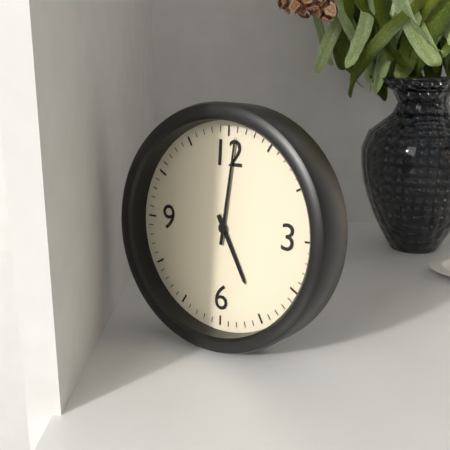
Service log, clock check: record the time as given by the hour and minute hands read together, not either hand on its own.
5:01
